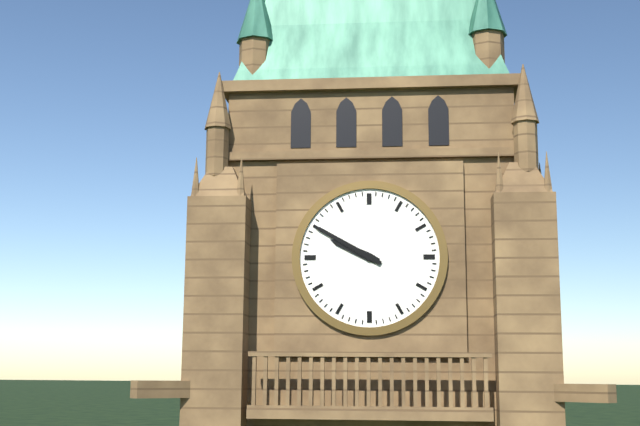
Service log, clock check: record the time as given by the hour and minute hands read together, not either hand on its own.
9:50
